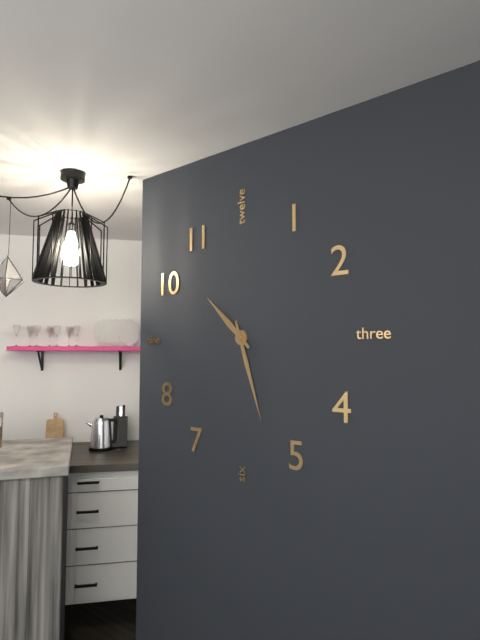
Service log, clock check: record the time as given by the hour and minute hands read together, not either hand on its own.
10:27
